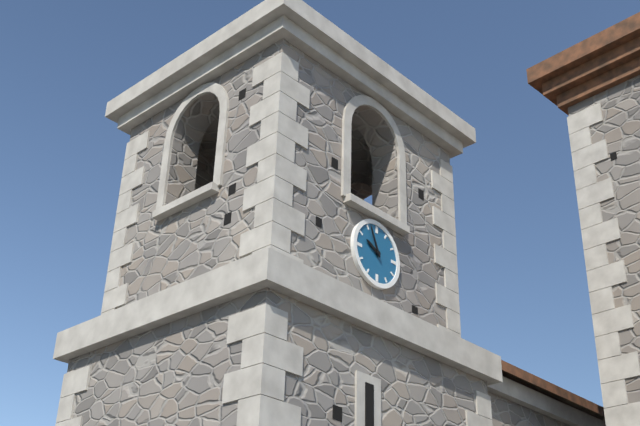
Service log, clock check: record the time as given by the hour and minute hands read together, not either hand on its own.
9:56
